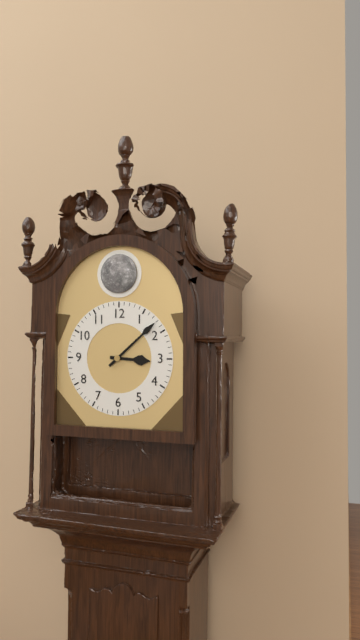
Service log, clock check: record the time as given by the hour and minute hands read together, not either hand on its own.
3:08
